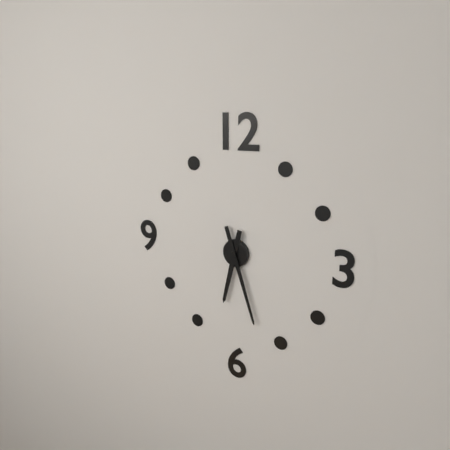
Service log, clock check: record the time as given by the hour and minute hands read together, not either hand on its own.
6:27
